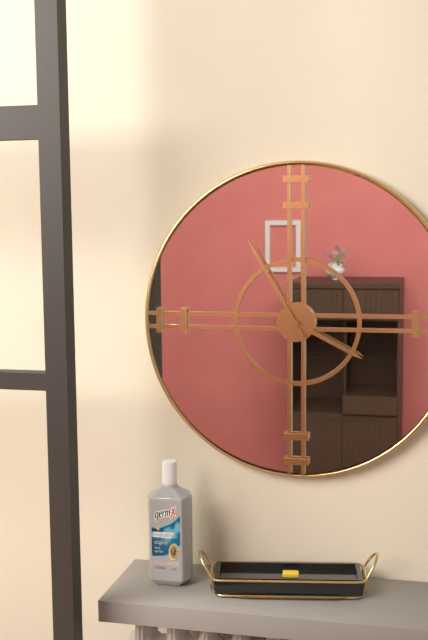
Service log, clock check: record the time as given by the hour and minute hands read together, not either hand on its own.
3:55
